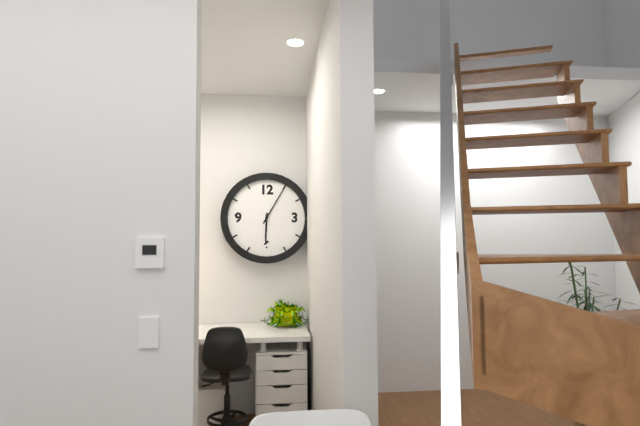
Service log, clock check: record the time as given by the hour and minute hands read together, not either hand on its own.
6:05
